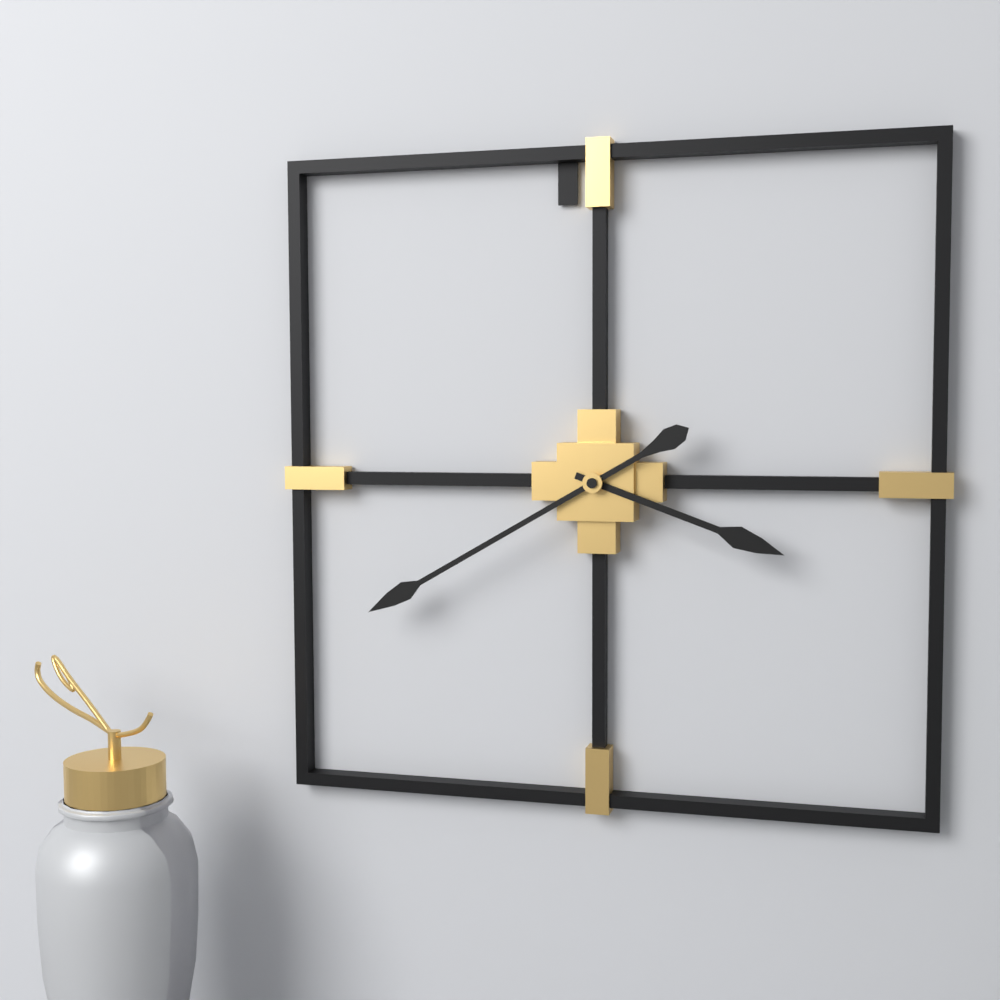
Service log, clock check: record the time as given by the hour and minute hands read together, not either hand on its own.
3:40
